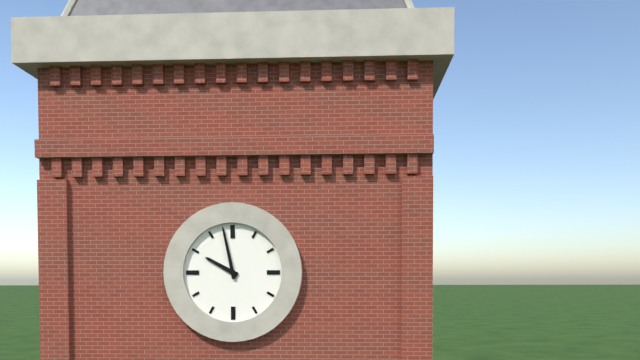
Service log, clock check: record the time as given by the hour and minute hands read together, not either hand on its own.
9:58
